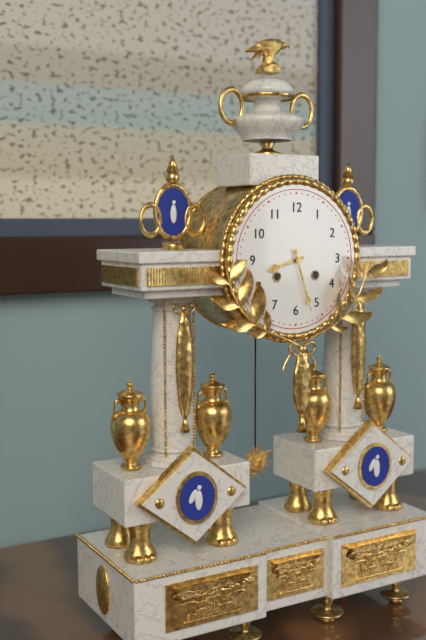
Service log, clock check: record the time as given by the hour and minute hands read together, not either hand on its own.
8:27
